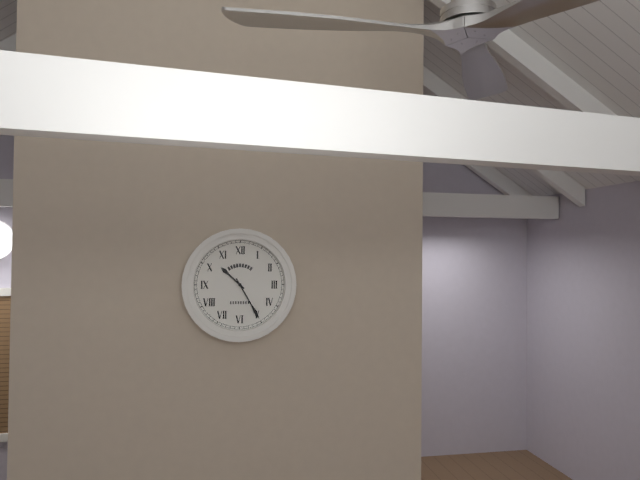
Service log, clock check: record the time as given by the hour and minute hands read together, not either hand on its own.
10:25
